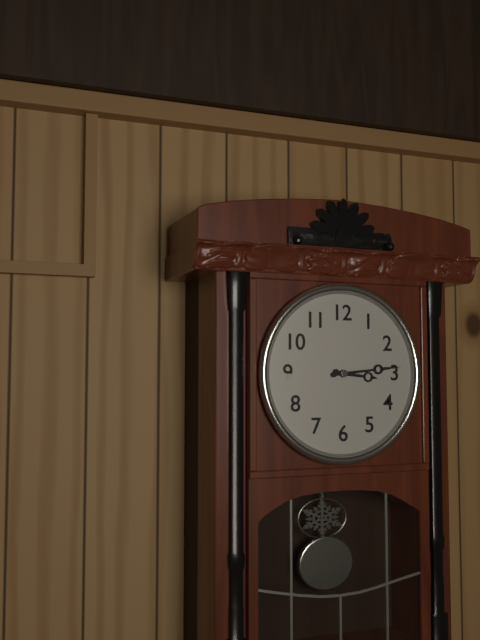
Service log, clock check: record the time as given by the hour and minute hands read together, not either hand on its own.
3:14
